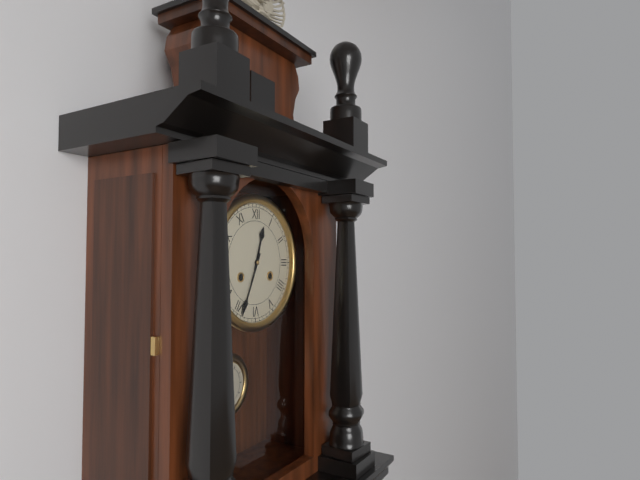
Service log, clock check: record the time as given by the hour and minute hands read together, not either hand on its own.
12:34
